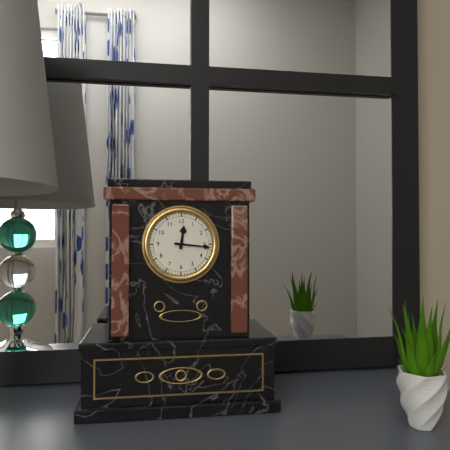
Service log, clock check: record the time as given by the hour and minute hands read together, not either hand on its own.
12:16
